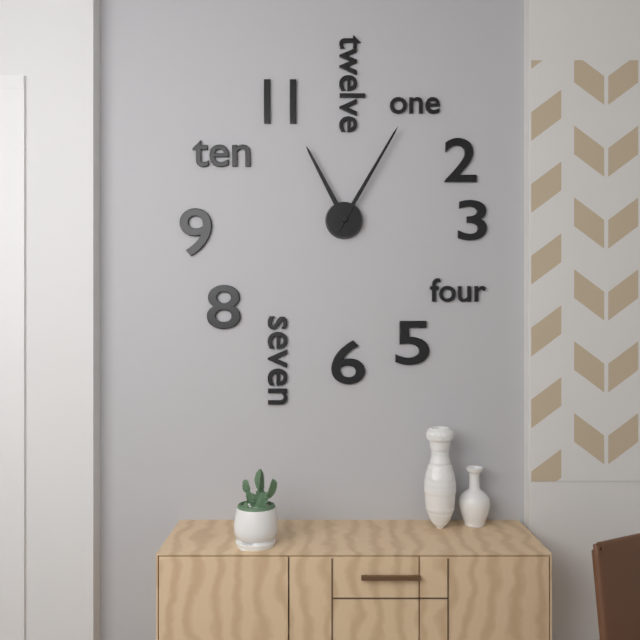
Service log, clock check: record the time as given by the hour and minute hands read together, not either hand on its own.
11:05
